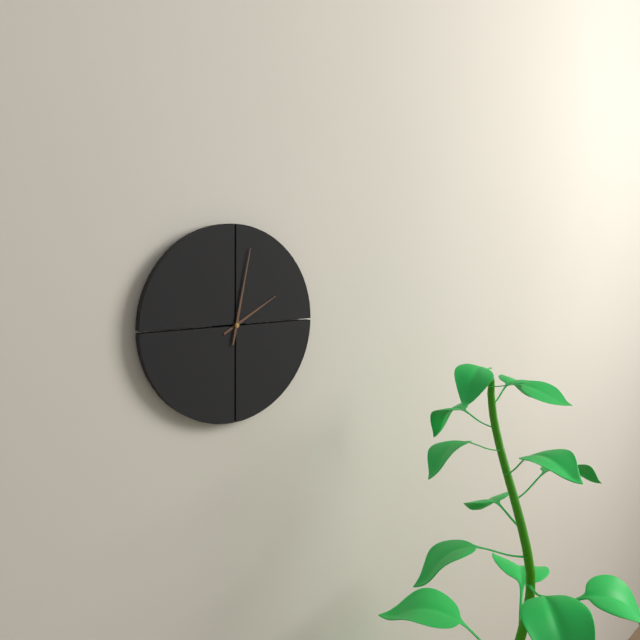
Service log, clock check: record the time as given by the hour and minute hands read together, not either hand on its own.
2:02
